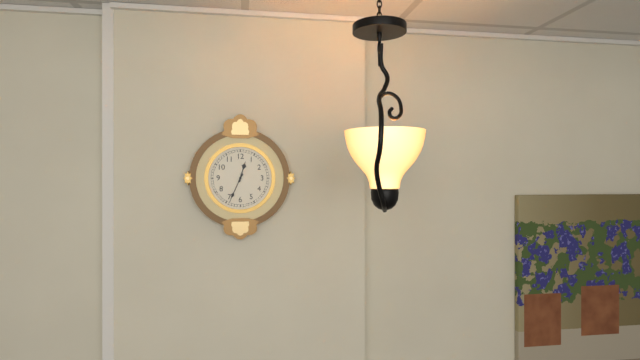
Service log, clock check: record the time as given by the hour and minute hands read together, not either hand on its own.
12:34
